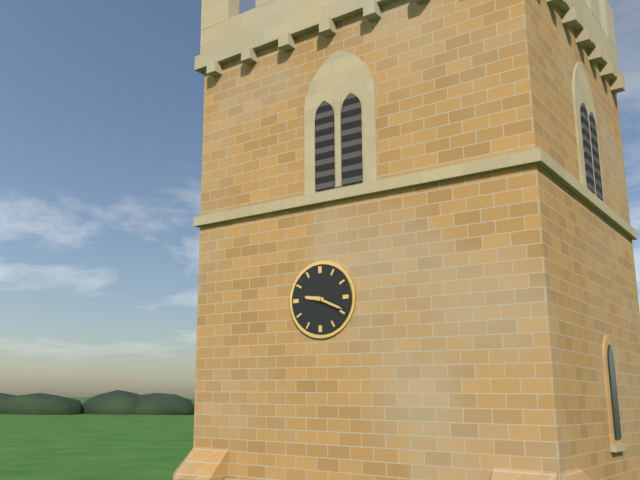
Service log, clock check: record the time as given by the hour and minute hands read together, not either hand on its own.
9:19
